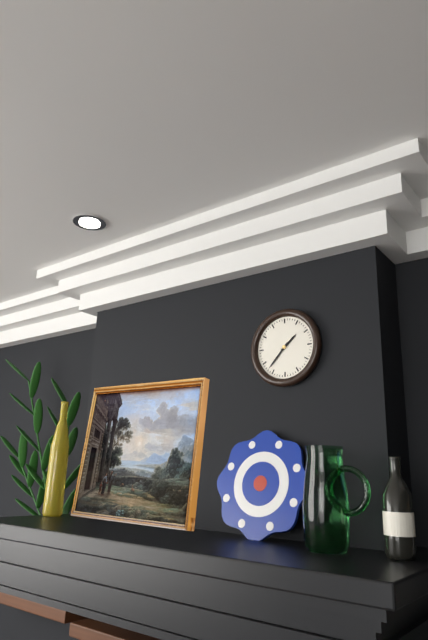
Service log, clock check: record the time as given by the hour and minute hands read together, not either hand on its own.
1:37
